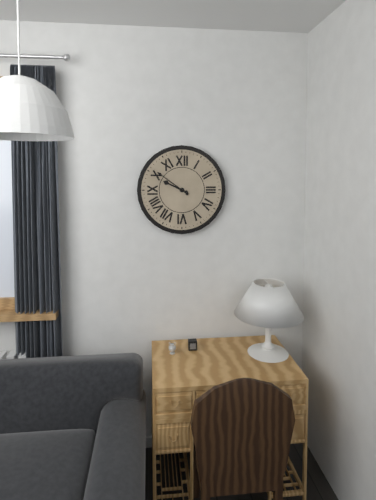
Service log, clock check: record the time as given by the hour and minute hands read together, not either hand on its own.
9:51
